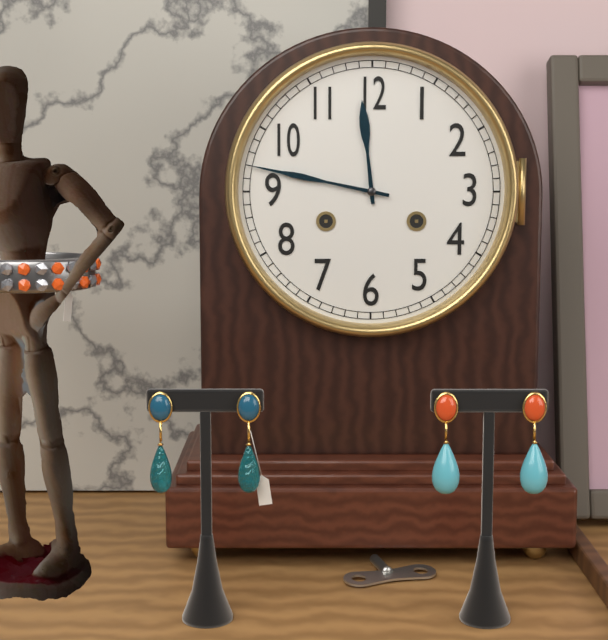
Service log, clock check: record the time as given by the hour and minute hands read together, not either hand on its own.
11:47
